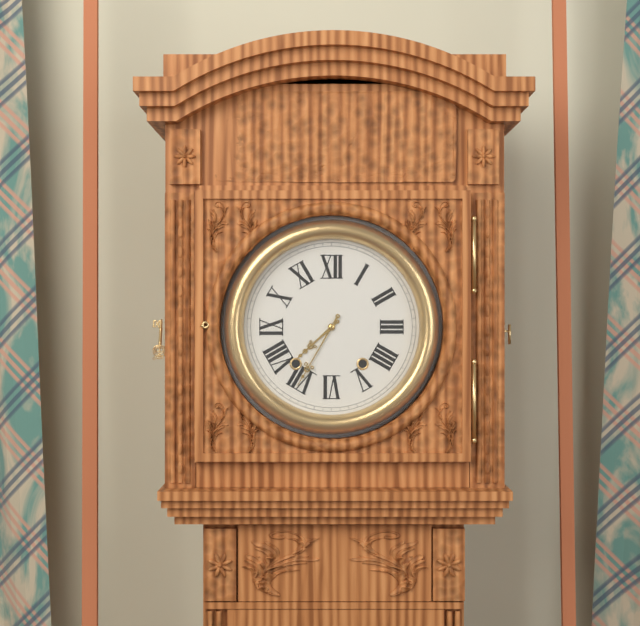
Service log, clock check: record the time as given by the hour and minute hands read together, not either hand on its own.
7:35
